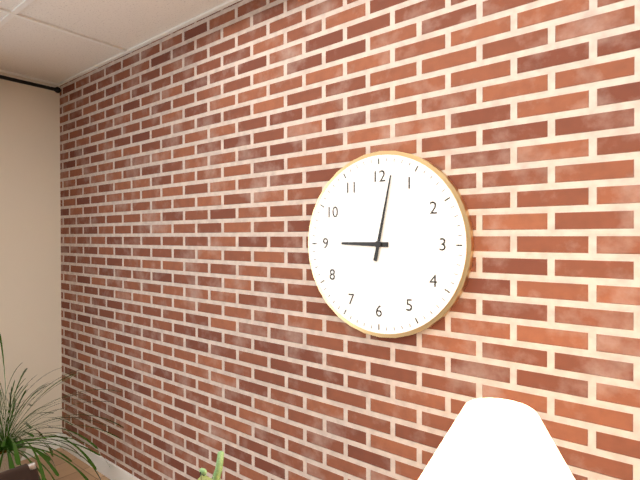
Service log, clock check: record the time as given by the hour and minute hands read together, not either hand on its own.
9:02
